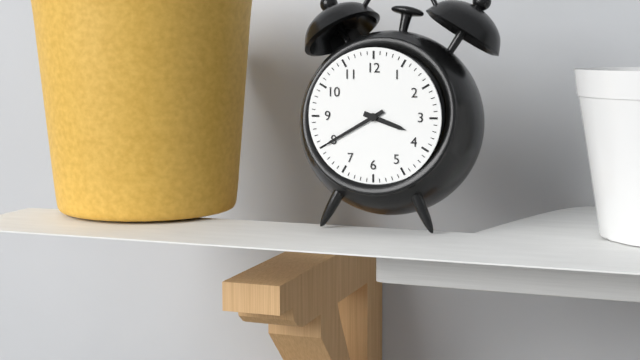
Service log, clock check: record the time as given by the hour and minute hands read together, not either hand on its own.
3:40
